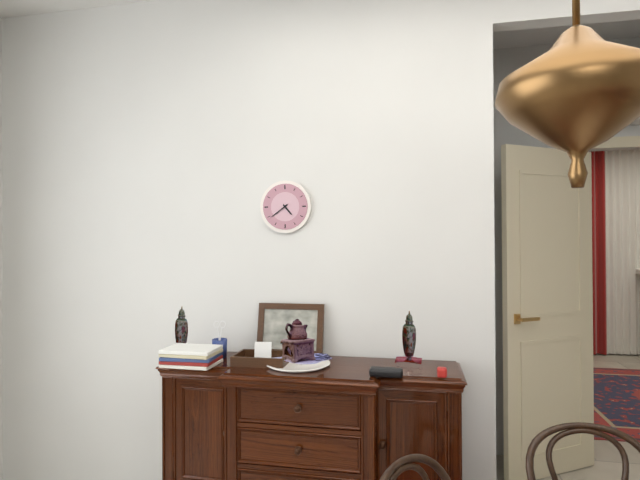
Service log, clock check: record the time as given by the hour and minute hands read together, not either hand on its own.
4:39
